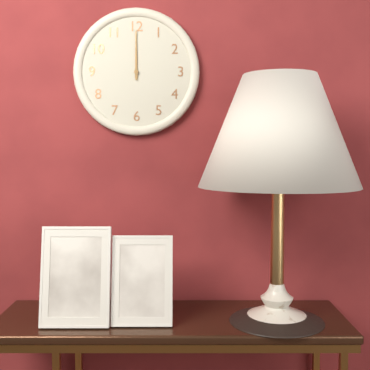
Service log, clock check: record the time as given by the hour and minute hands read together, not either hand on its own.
12:00
